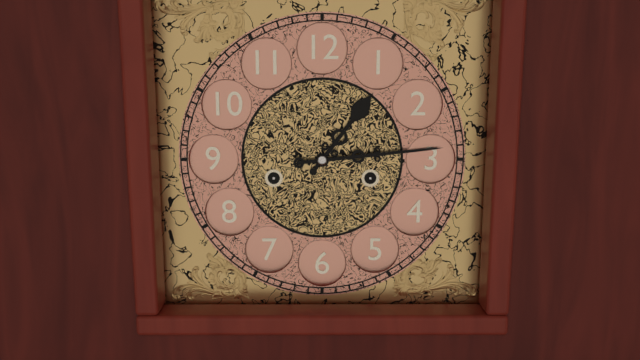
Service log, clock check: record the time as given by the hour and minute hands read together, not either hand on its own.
1:14
